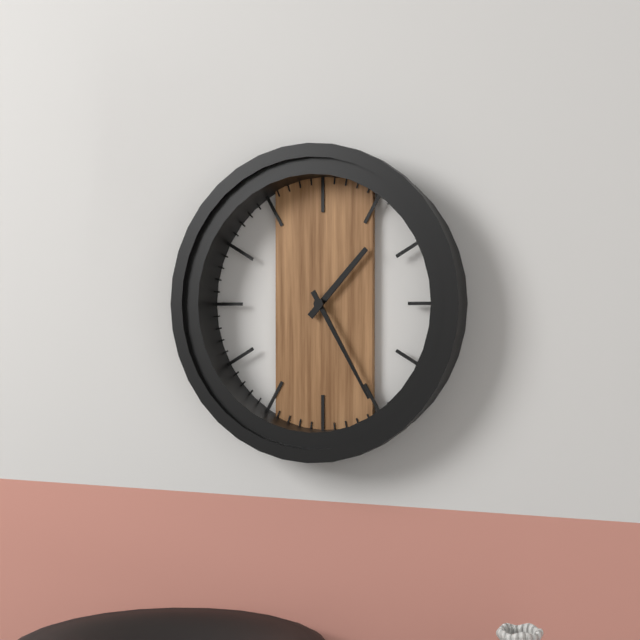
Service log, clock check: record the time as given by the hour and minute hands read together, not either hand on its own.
1:25
